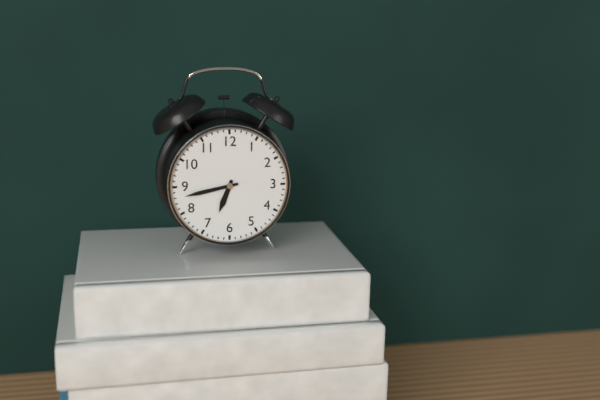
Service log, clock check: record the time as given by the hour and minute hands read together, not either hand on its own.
6:43
